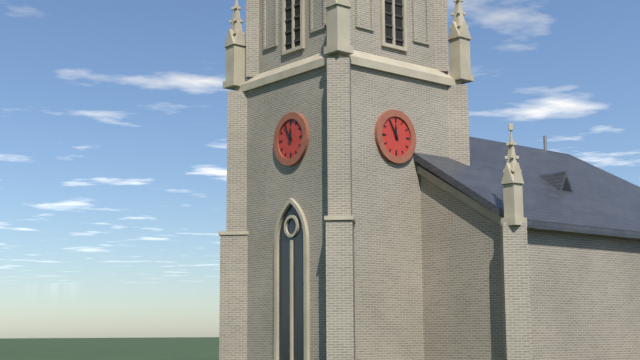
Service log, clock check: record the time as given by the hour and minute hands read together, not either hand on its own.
11:55
